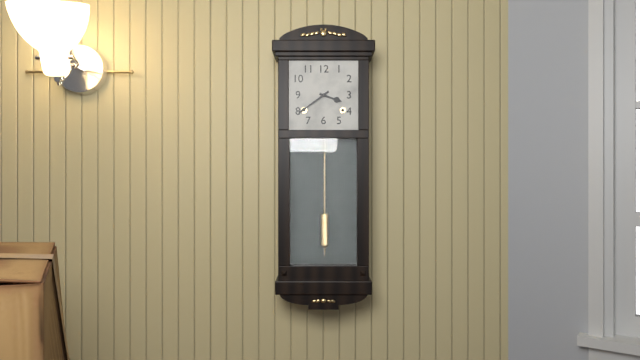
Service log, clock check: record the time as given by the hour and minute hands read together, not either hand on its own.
3:39
